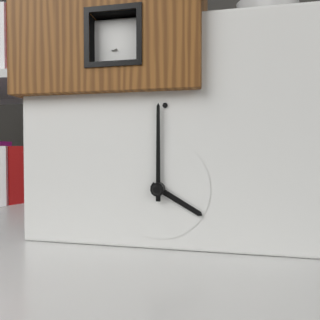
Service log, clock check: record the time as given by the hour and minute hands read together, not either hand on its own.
4:00
